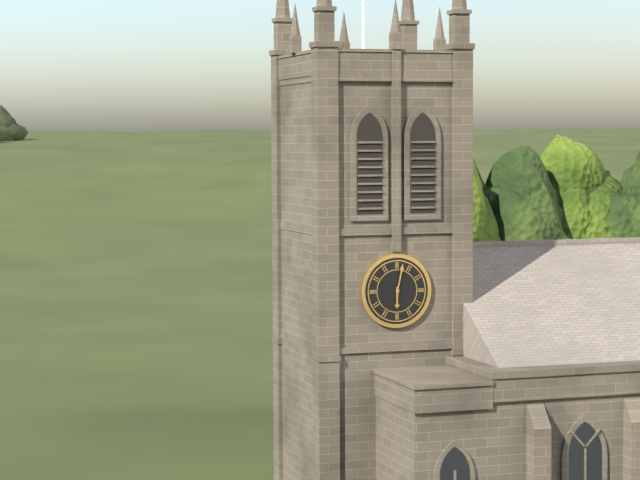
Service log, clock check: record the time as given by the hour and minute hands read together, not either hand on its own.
6:02
